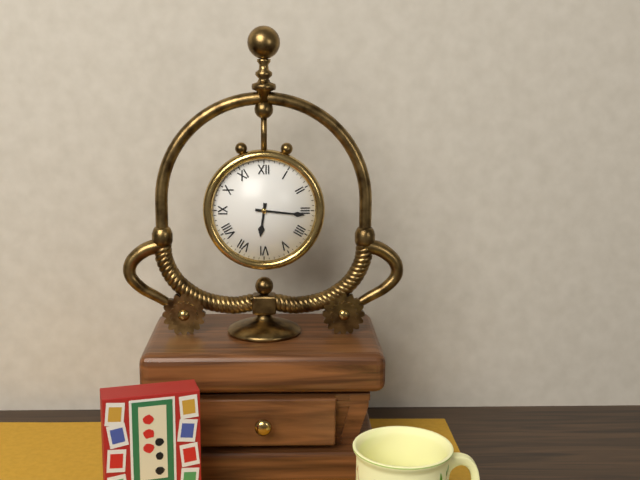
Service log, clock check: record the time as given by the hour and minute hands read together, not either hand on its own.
6:16
